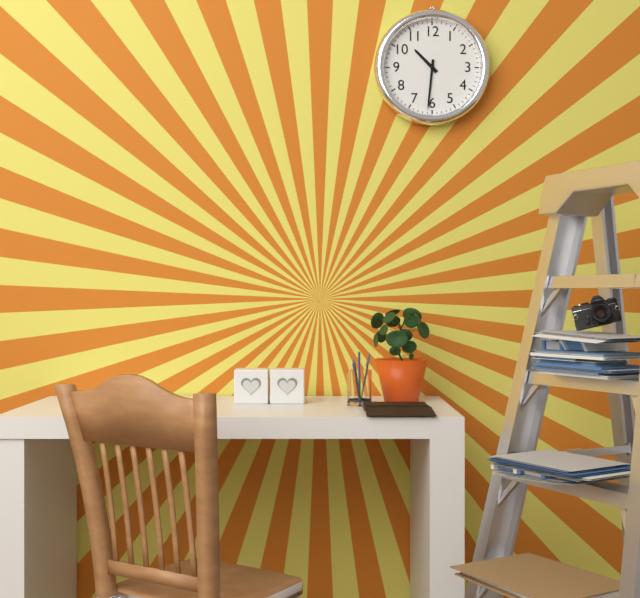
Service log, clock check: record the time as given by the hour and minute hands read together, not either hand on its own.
10:31
